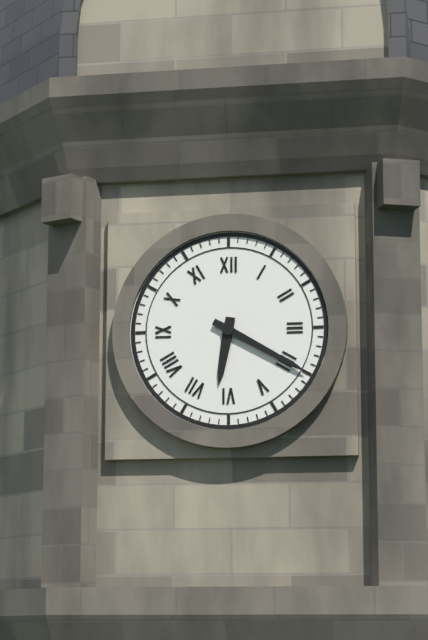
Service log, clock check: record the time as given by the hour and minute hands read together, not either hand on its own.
6:20
